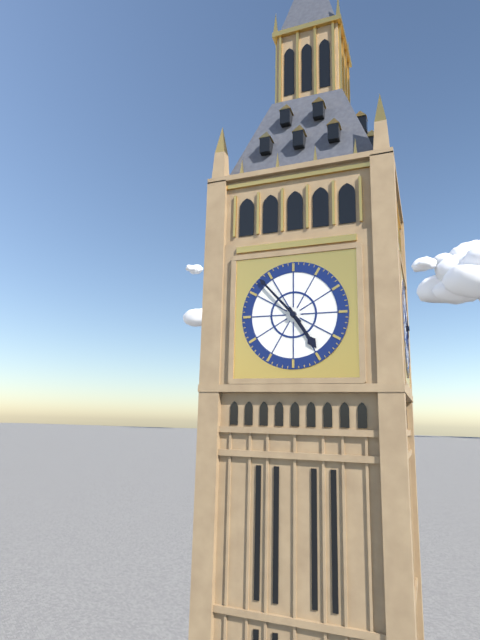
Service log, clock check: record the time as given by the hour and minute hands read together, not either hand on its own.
4:53
